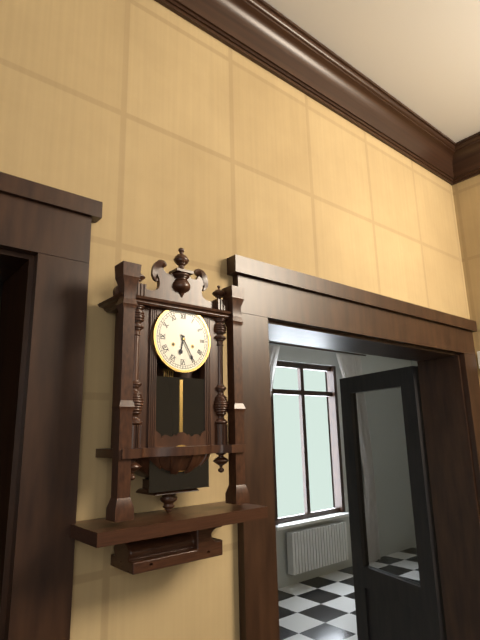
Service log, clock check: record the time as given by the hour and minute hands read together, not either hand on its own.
6:25
